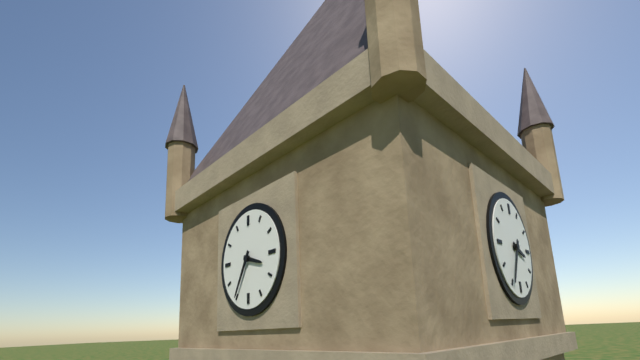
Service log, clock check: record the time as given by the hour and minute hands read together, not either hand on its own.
3:35
